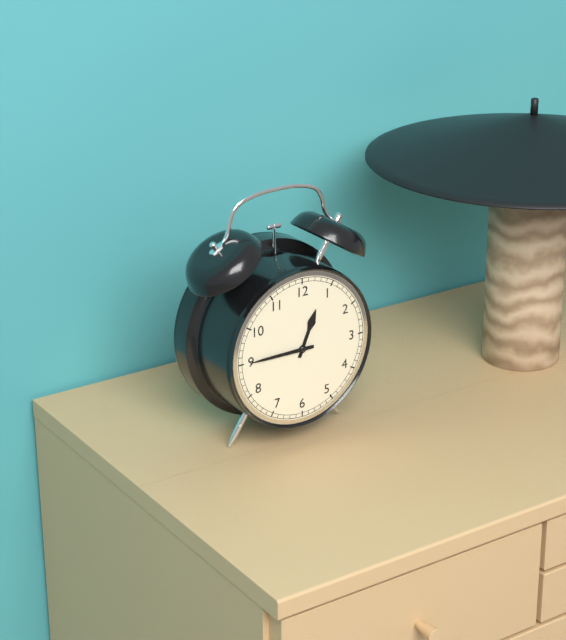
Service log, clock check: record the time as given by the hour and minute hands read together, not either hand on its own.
12:45
